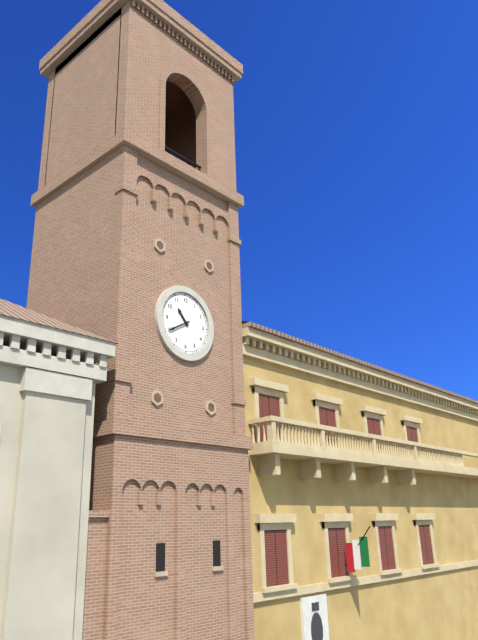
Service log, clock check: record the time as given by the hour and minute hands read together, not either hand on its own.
10:40
